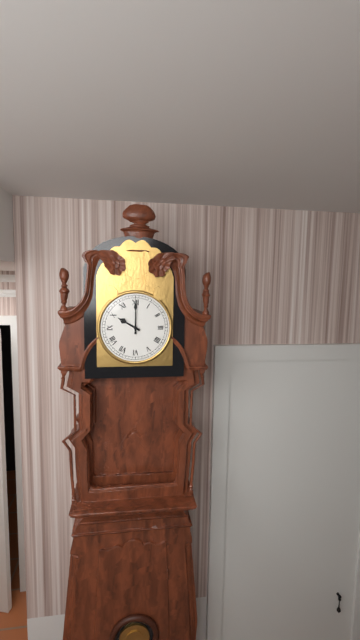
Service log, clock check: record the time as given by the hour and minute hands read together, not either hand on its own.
10:00
